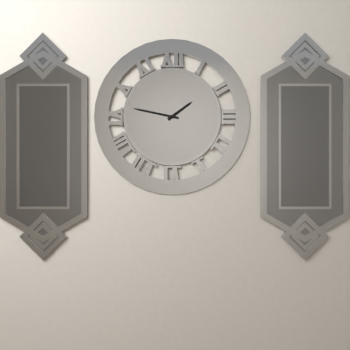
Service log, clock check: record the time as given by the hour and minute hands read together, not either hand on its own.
1:47
